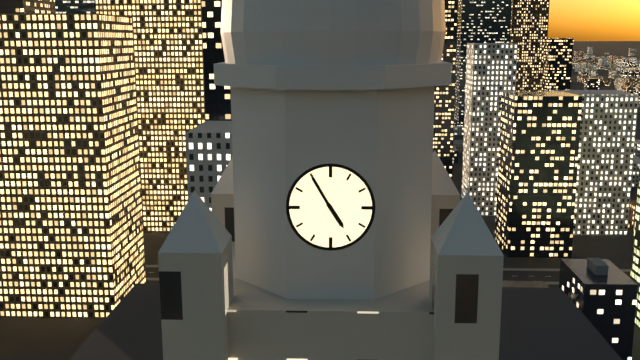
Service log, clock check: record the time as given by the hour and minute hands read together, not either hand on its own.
4:55
